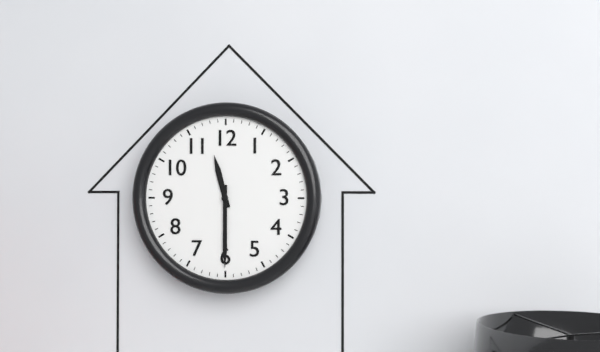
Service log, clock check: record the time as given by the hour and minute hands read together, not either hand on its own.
11:30
